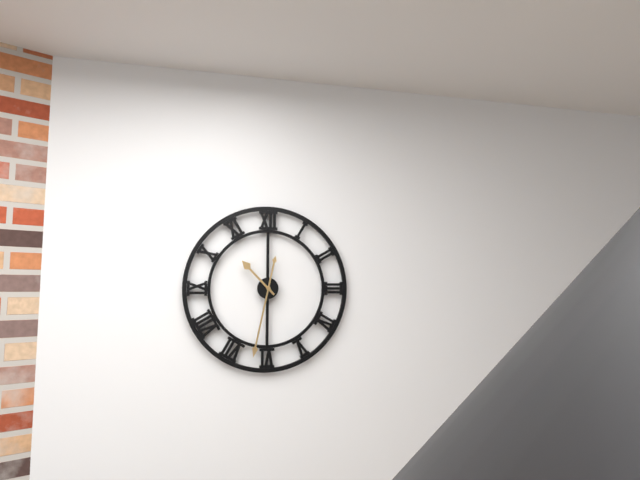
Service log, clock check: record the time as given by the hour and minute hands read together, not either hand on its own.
10:32
